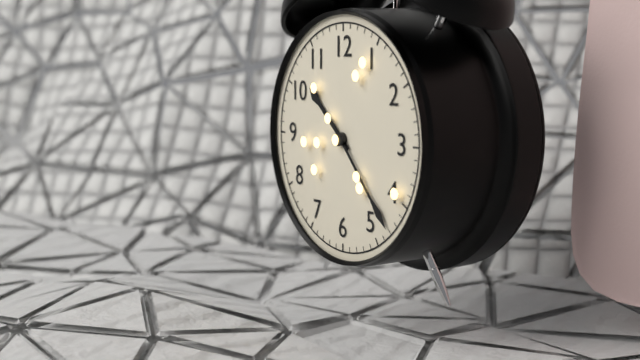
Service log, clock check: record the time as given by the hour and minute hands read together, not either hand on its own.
10:23
